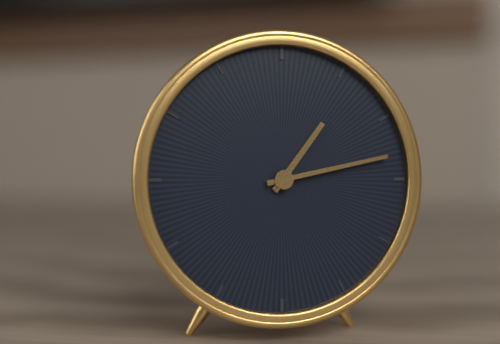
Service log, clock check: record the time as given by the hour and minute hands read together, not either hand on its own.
1:13
